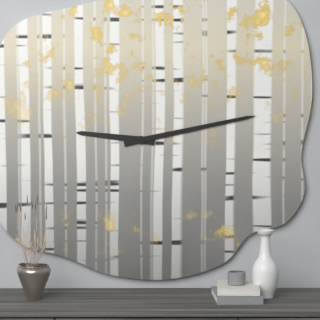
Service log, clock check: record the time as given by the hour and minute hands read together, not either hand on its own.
9:13
